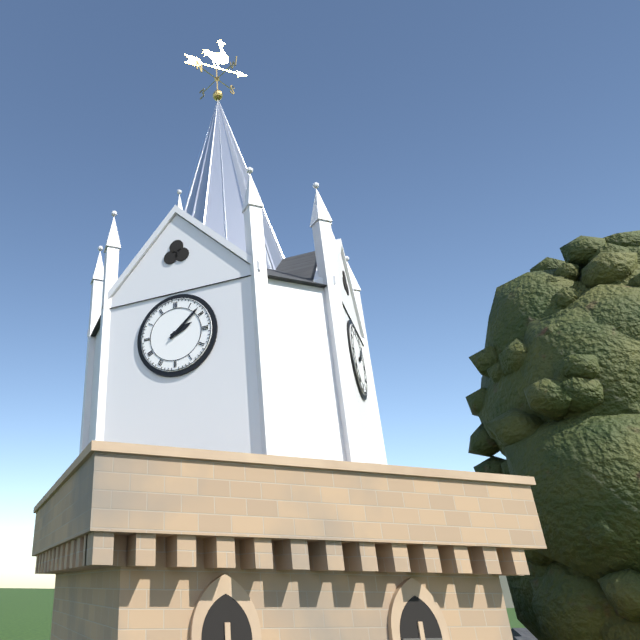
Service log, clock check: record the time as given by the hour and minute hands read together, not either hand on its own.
2:08
